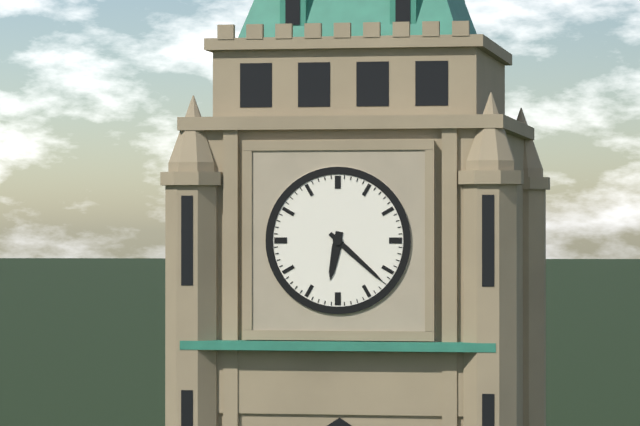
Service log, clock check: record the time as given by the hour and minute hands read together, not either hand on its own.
6:22
